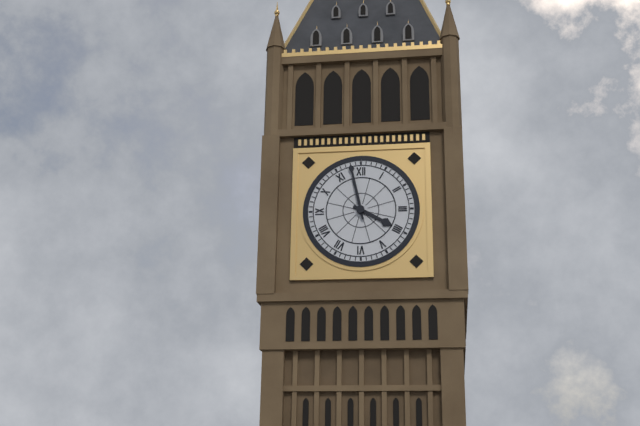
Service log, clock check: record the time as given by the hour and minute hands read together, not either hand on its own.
3:58
